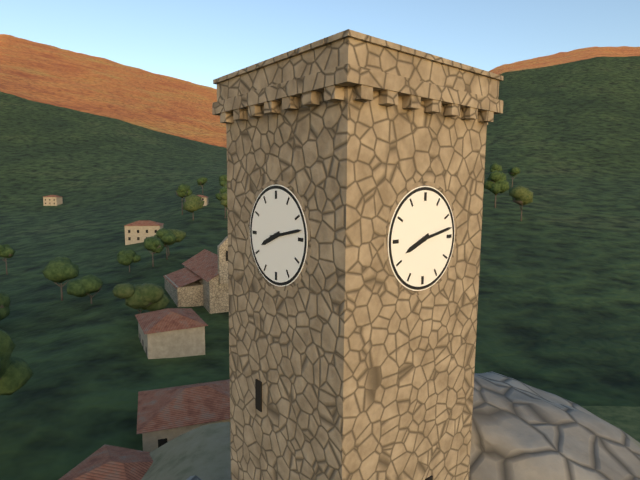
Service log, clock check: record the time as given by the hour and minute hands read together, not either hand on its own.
8:13
